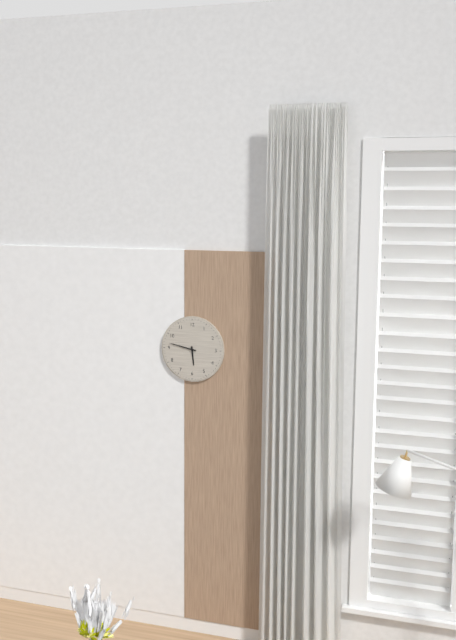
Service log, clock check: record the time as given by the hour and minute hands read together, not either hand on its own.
5:47
